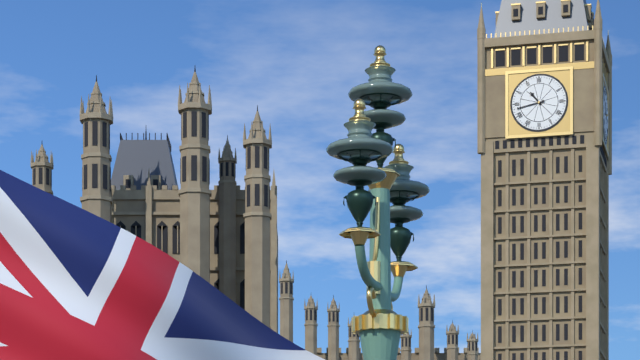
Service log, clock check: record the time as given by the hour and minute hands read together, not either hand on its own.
10:43
